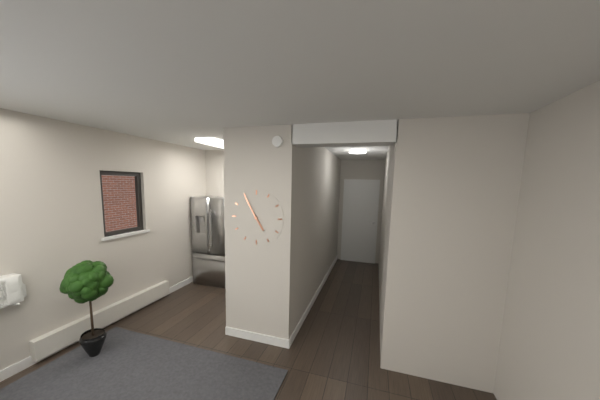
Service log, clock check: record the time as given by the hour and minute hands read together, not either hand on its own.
4:55
